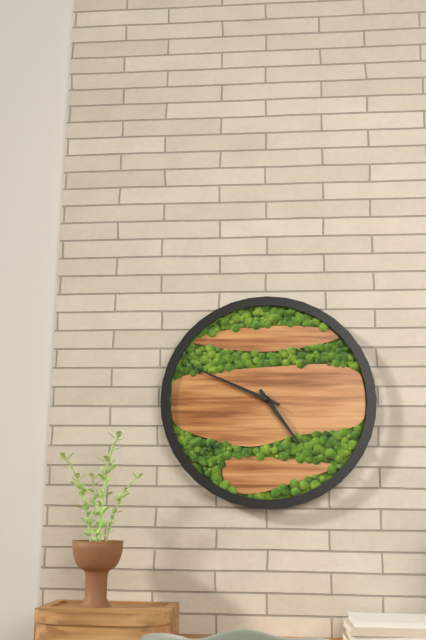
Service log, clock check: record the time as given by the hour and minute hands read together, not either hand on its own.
4:49
